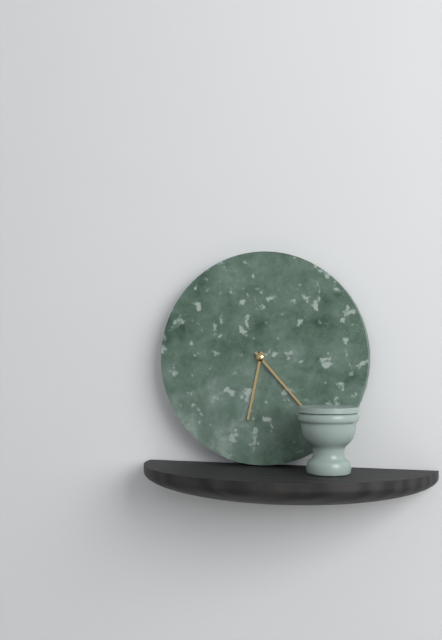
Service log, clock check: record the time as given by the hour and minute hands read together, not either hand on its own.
6:23
